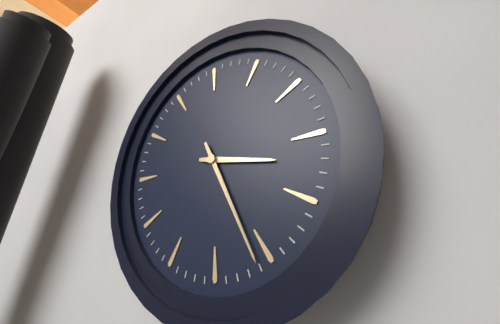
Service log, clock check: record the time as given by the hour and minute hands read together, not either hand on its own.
3:26
